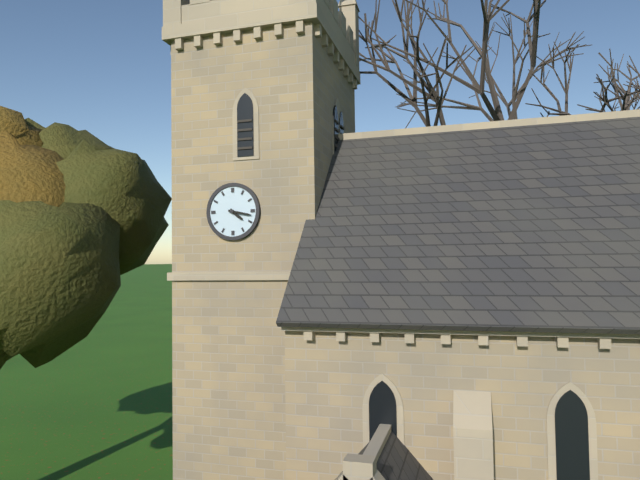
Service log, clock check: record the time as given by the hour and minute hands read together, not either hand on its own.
4:17
